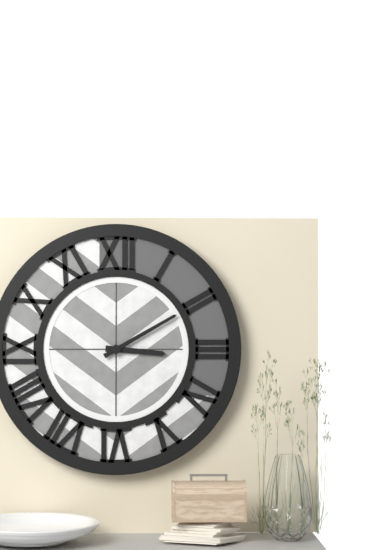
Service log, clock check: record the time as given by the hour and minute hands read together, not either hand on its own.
3:10
